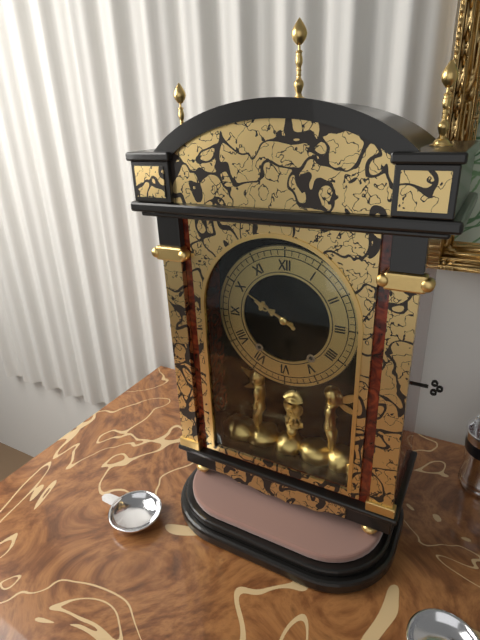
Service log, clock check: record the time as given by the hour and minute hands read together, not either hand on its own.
9:50
